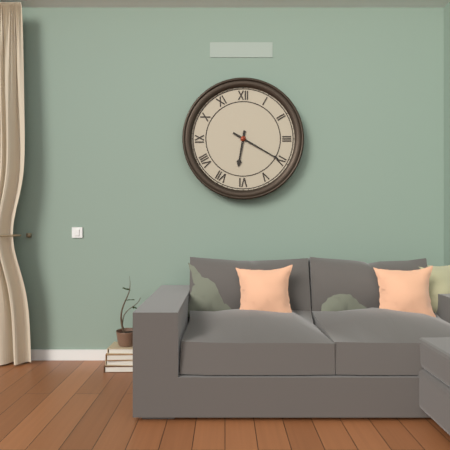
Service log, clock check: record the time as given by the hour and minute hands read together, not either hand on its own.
6:20
